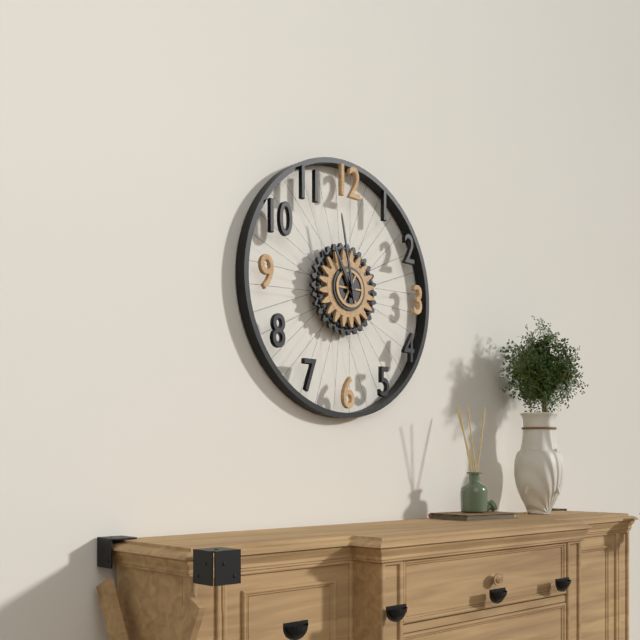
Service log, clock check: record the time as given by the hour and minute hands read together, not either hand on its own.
10:58
